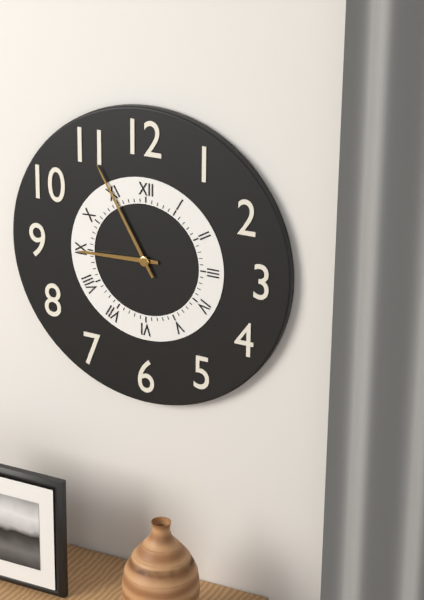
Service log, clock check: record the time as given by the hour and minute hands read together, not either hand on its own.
8:55
